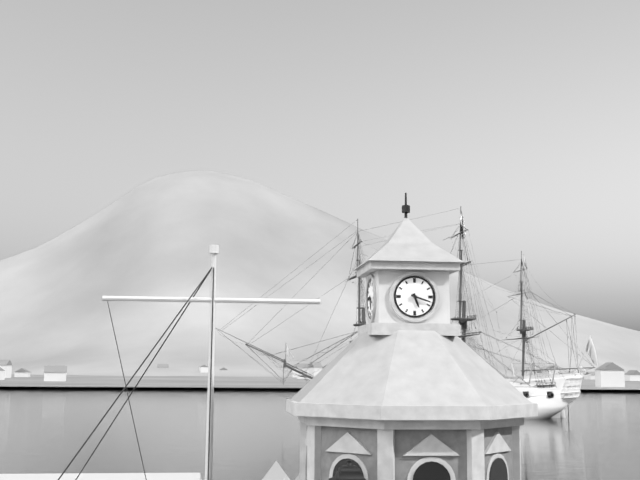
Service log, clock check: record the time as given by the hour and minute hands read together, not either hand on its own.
5:18
